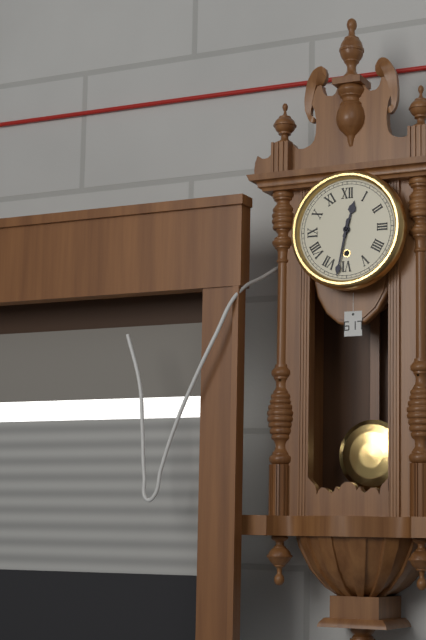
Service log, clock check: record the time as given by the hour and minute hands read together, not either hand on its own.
12:32
